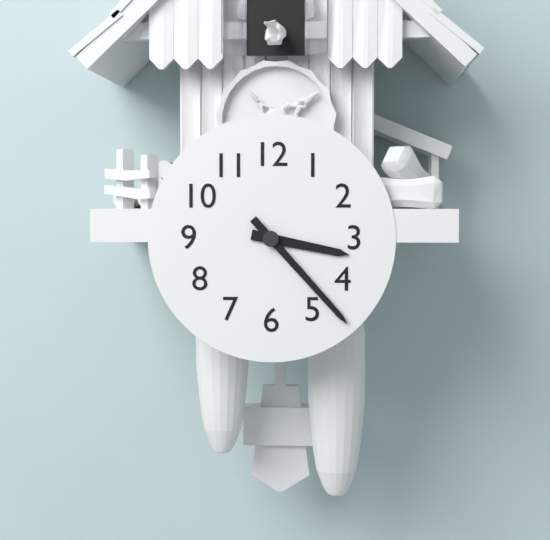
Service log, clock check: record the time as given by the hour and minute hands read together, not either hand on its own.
3:23
